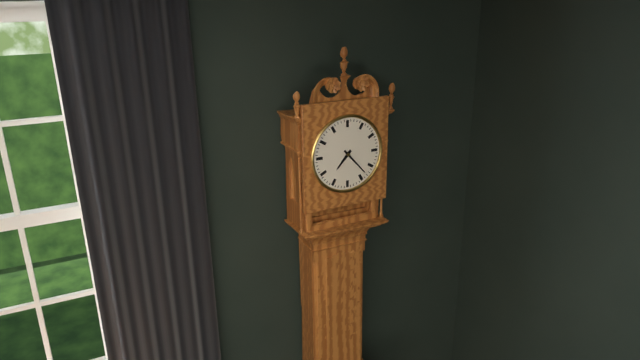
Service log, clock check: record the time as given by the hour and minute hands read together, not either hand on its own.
7:23
